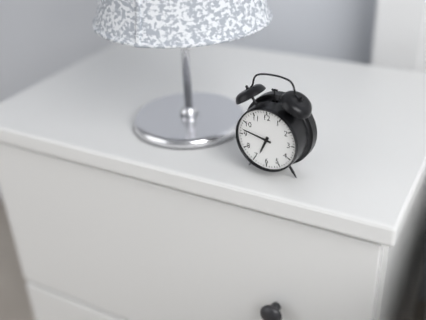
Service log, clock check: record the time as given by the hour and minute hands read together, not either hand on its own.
6:47
